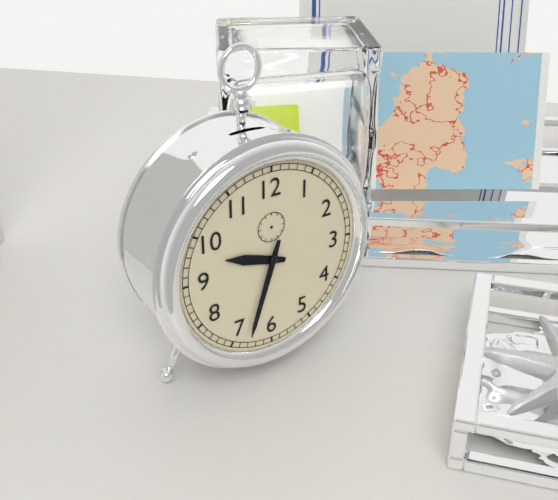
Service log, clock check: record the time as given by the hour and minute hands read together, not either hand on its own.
9:33
